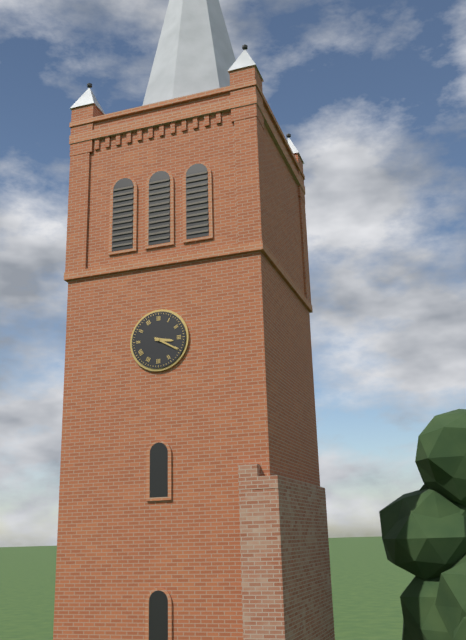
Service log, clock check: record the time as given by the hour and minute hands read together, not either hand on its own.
3:20
